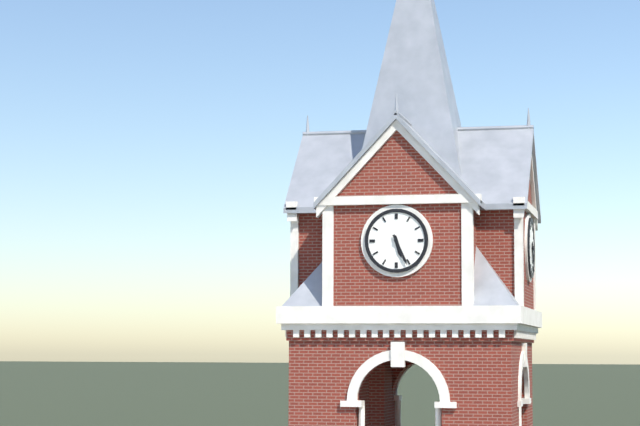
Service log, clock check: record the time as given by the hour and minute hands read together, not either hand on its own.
5:26
